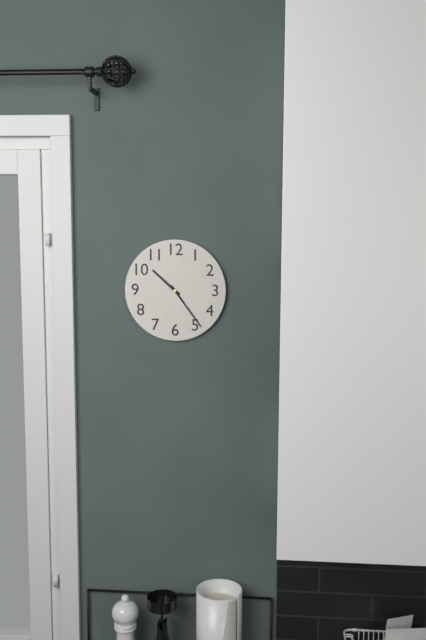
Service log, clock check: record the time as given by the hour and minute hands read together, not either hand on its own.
10:24
